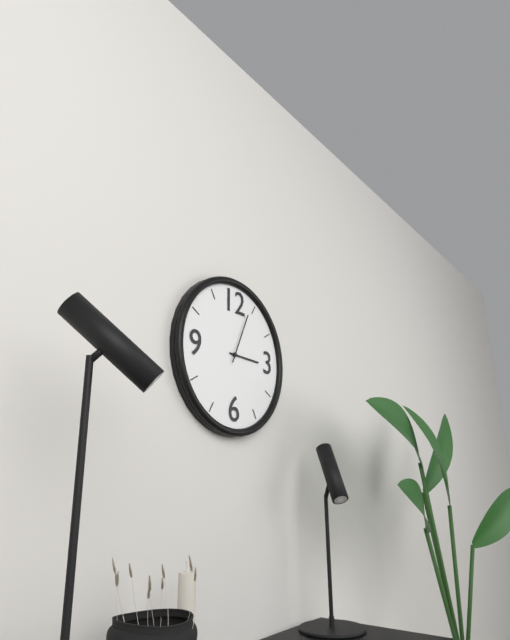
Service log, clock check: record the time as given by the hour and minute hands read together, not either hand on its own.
3:04
